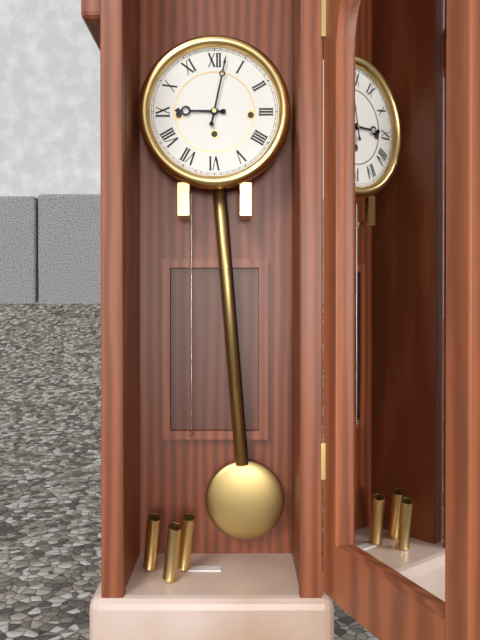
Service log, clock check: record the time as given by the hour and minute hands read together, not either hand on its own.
9:02
